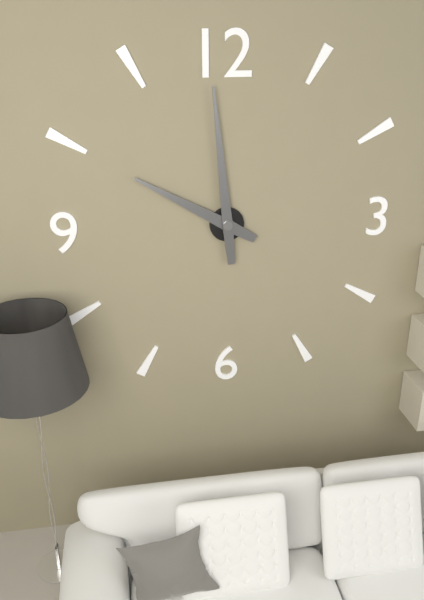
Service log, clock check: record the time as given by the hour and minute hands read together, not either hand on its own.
9:59
